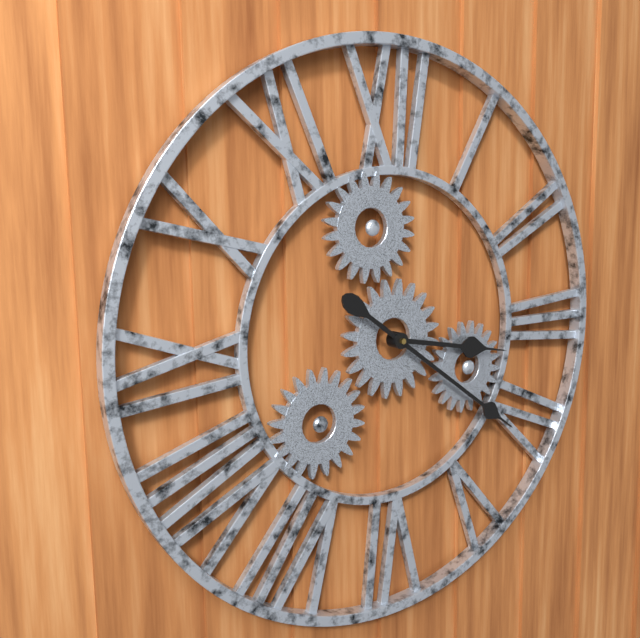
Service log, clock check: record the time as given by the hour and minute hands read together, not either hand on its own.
3:21
